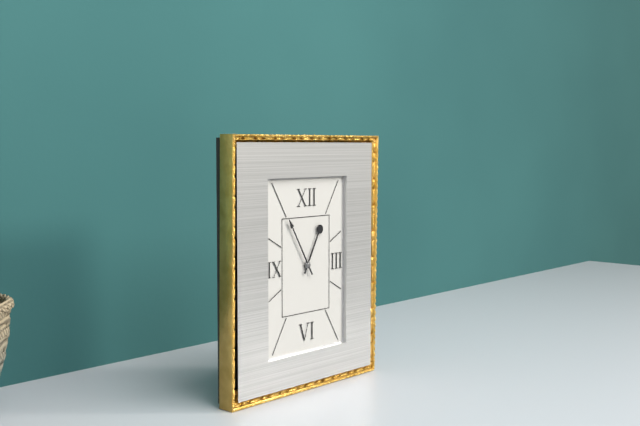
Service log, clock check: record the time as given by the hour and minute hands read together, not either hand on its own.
12:55
